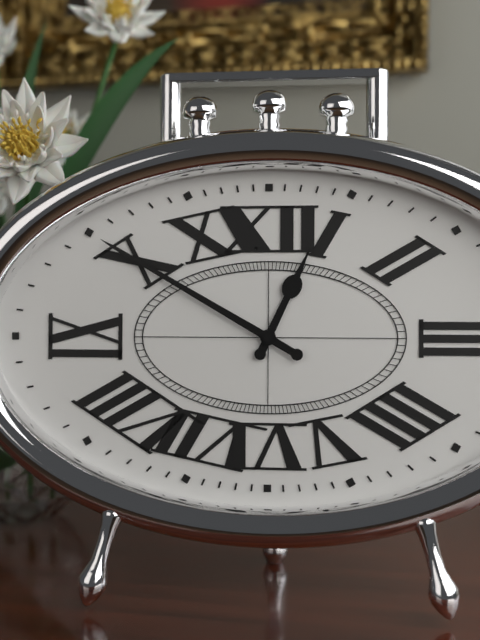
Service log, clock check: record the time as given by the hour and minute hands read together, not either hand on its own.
12:50
